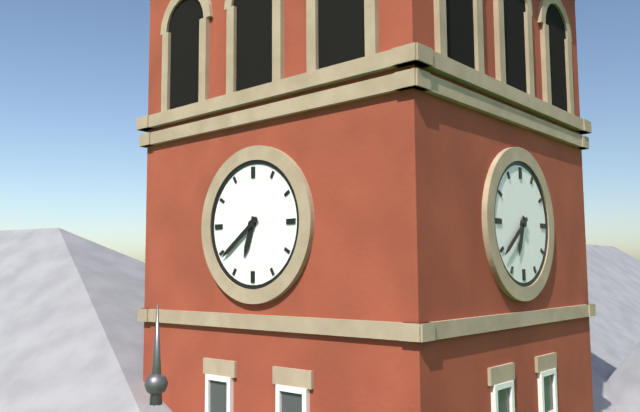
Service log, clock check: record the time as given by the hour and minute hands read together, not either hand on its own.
6:39
